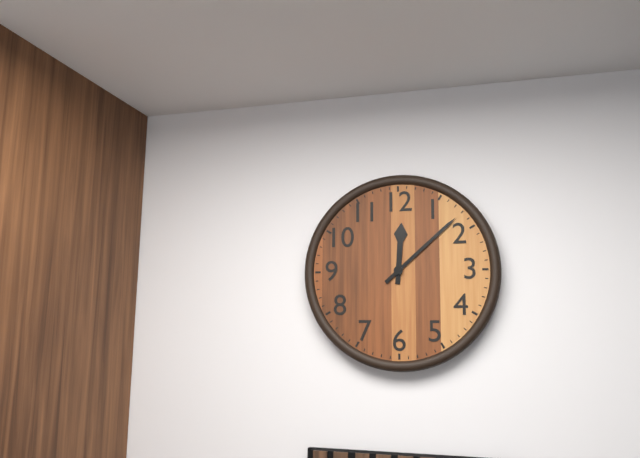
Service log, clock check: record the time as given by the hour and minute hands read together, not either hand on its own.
12:08
